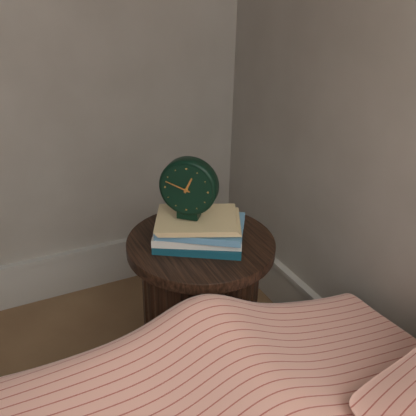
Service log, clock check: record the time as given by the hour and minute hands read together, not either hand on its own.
12:48
